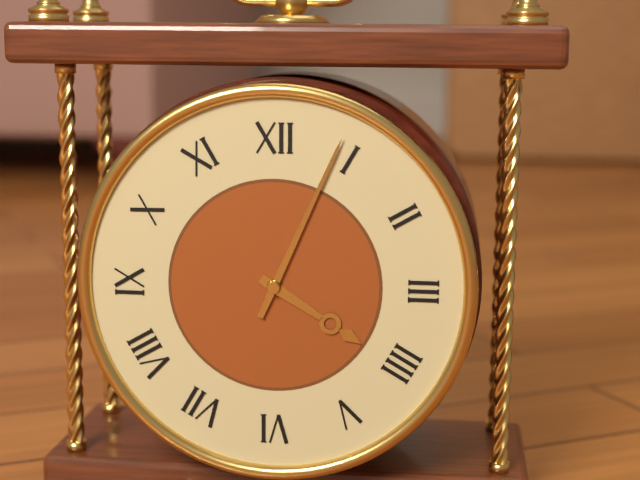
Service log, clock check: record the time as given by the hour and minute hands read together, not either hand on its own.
4:04
